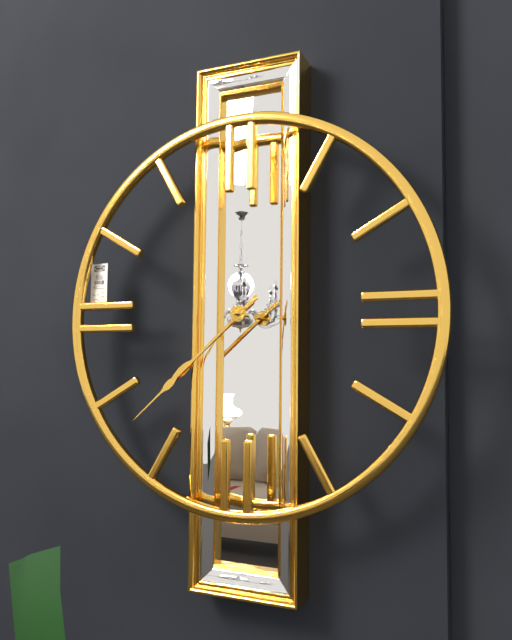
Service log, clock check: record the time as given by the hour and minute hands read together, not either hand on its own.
7:38
